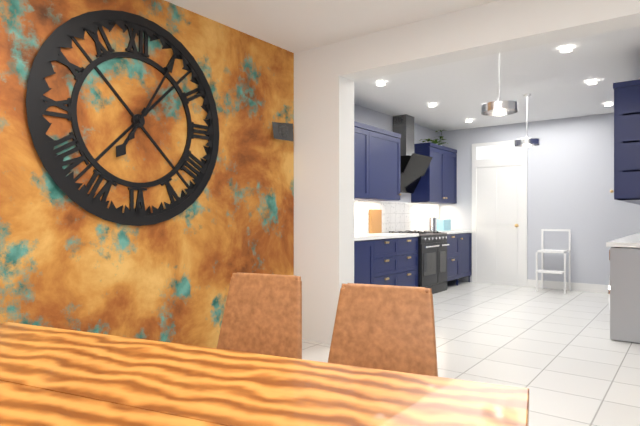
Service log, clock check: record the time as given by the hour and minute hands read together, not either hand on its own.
7:05
